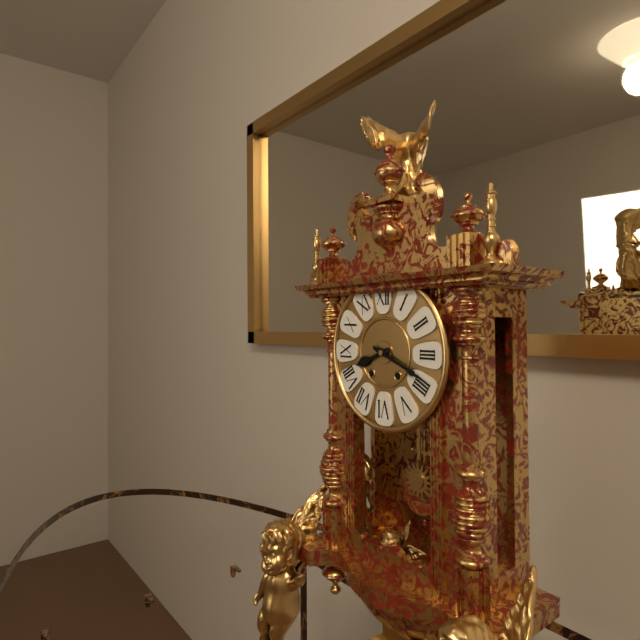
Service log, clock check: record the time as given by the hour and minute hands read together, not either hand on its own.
8:19
